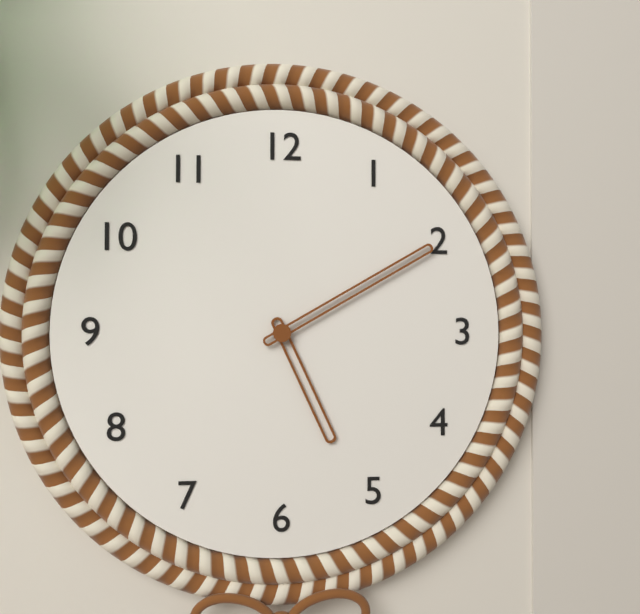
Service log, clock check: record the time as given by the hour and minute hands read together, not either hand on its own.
5:10
